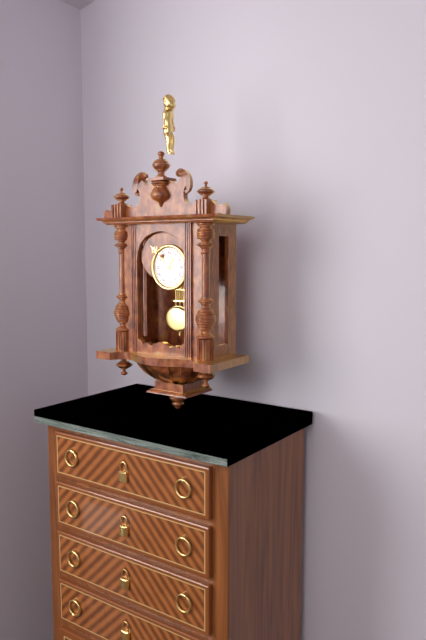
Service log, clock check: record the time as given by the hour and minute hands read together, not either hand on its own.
12:52
